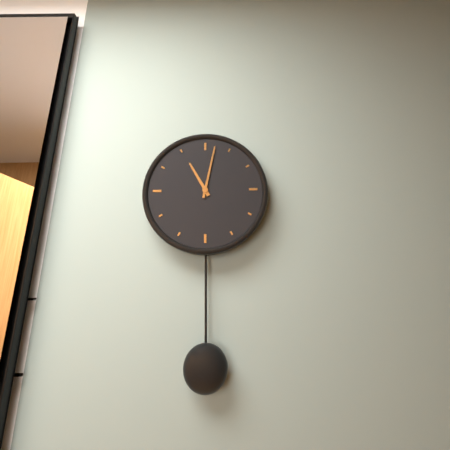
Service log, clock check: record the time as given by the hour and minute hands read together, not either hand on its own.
11:02
